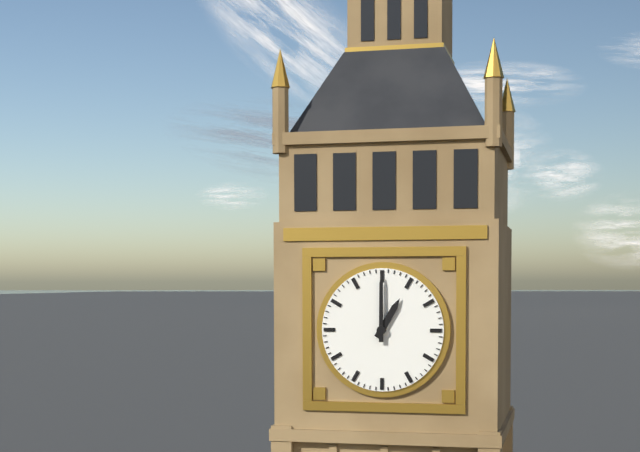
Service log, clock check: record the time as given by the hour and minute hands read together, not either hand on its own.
1:00
